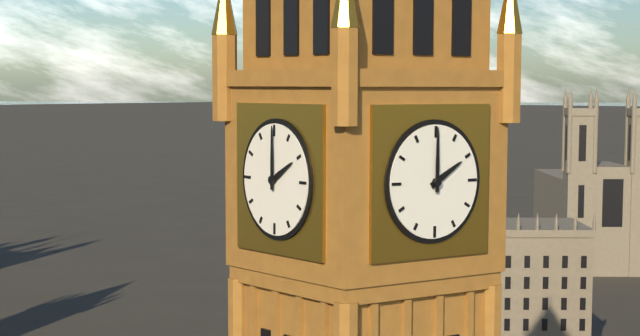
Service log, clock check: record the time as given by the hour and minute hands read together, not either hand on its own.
2:00
